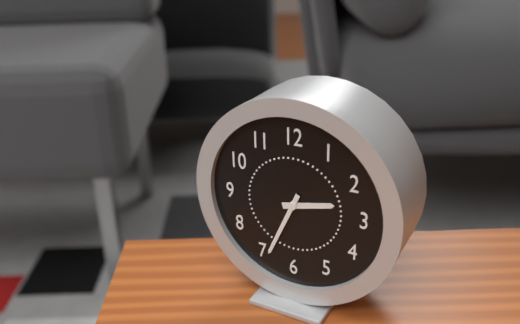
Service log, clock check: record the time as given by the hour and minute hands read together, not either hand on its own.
2:34
